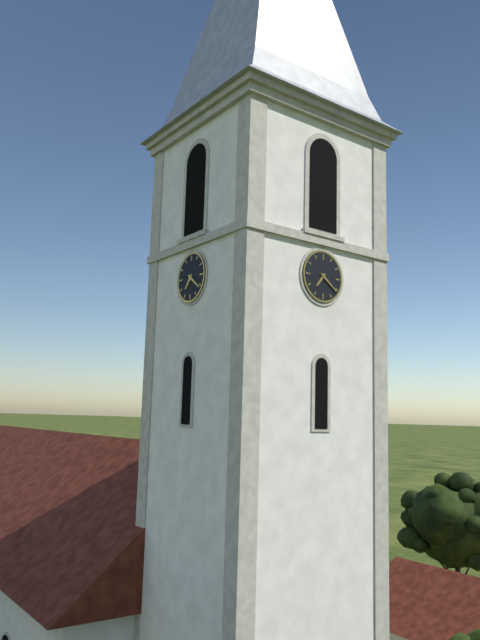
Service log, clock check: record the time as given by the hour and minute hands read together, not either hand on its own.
7:21
